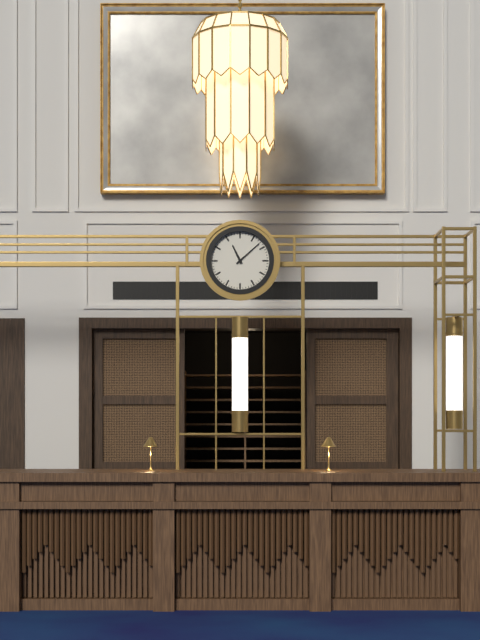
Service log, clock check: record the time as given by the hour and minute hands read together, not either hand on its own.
11:08
